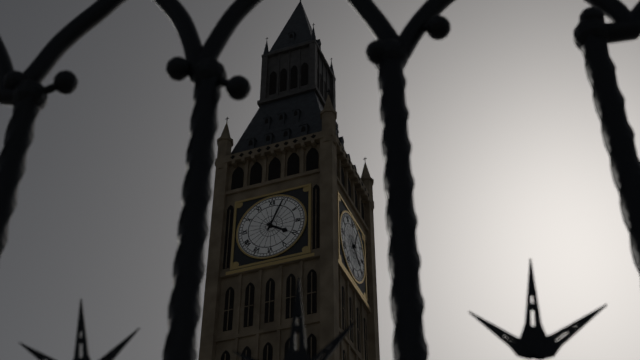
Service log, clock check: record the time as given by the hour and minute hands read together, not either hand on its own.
4:04
